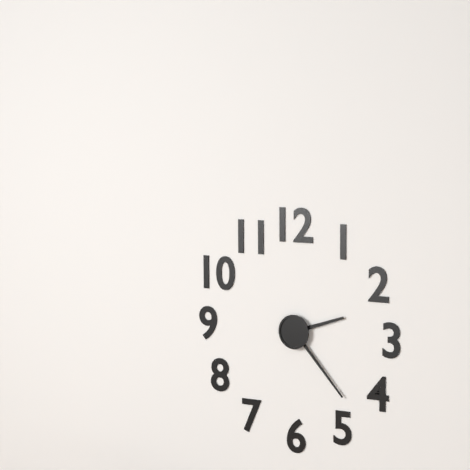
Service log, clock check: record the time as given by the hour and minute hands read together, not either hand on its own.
2:23
